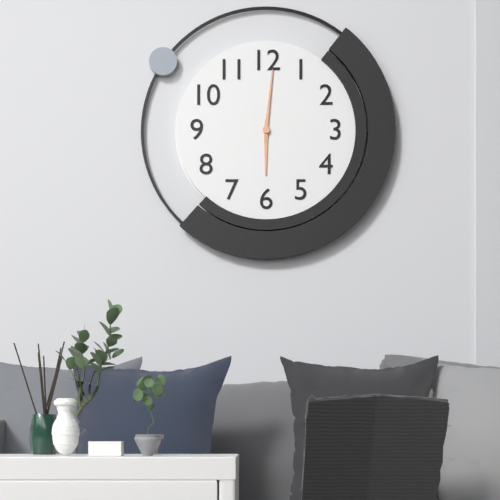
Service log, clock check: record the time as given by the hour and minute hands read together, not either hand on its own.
6:01
